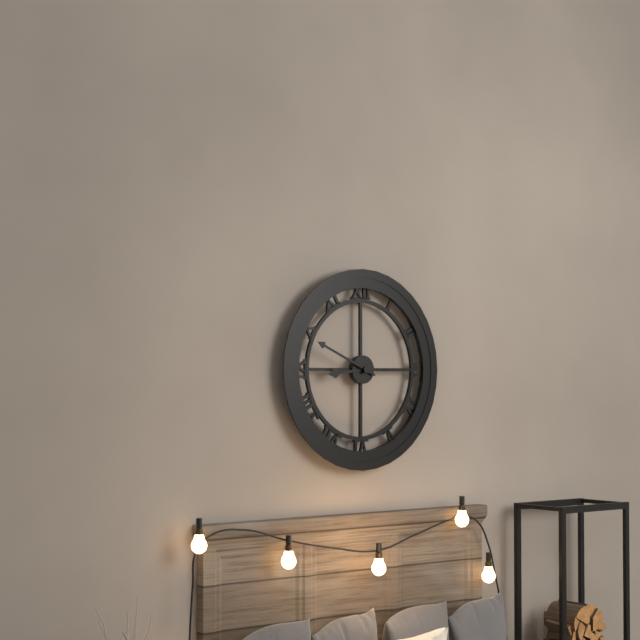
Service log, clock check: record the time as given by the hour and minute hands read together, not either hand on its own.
8:49
